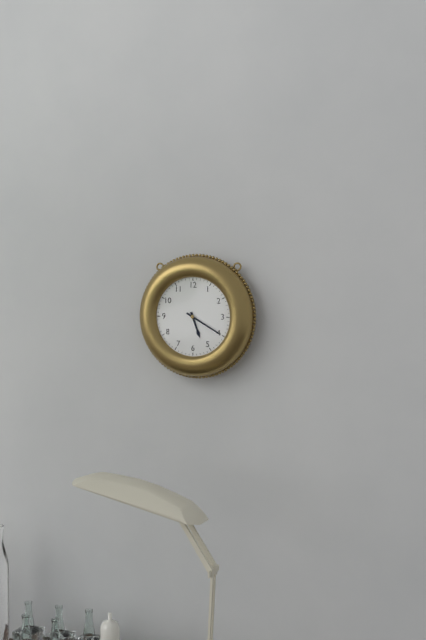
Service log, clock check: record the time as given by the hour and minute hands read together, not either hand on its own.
5:20
